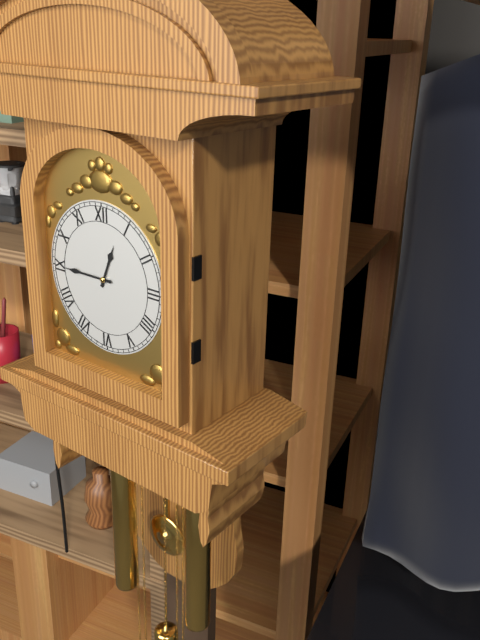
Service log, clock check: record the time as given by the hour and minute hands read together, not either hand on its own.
12:45
